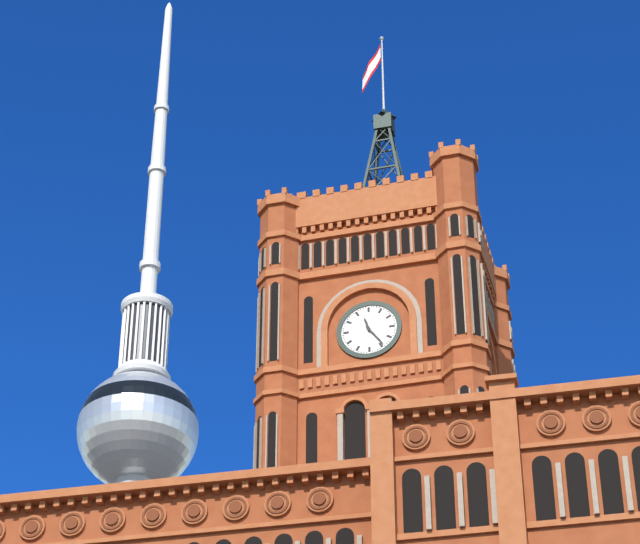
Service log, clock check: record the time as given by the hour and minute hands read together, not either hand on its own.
11:24
